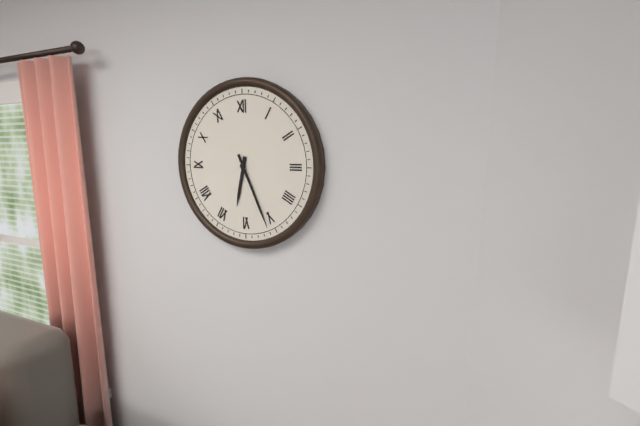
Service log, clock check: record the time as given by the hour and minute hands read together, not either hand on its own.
6:26
